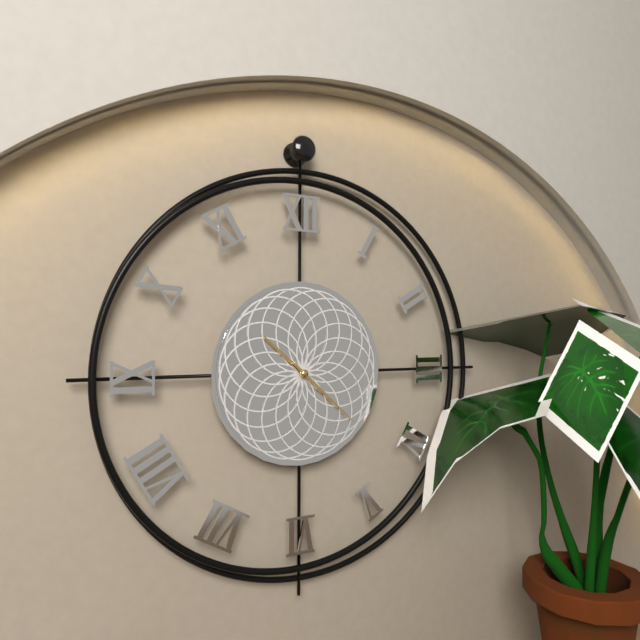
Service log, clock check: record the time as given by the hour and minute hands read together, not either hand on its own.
10:22
